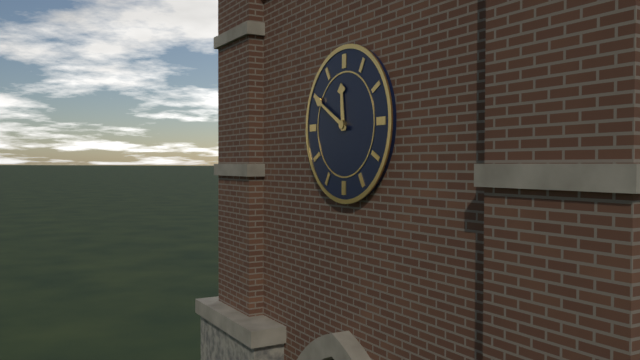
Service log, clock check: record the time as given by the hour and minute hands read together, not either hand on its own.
11:50
